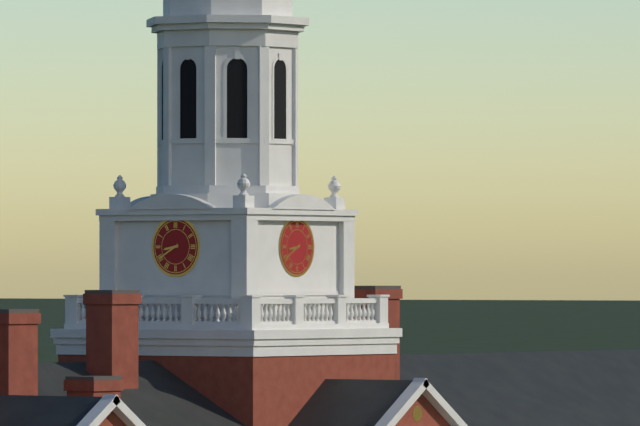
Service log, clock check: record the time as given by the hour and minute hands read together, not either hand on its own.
8:40
